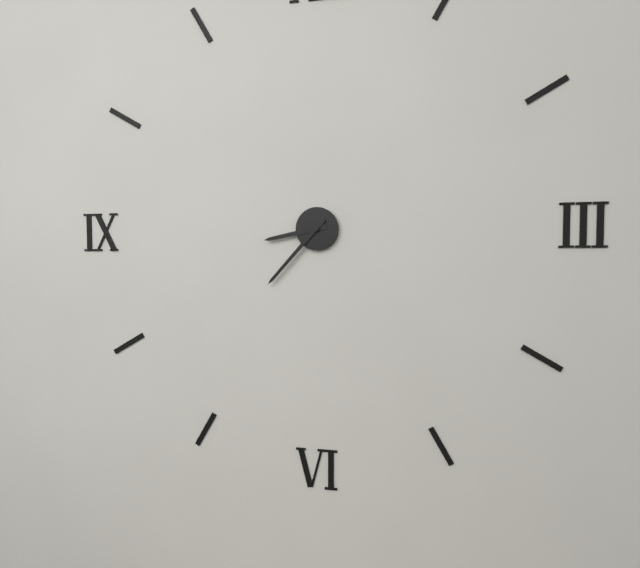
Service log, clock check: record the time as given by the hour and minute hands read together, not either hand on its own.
8:37
